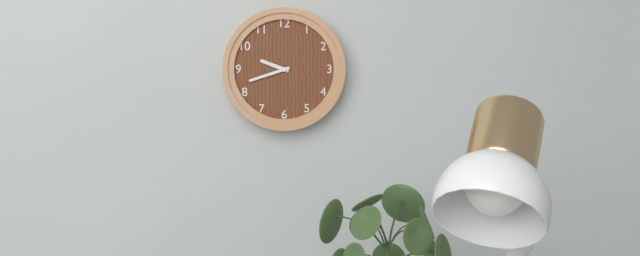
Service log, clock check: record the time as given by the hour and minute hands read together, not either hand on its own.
9:42
